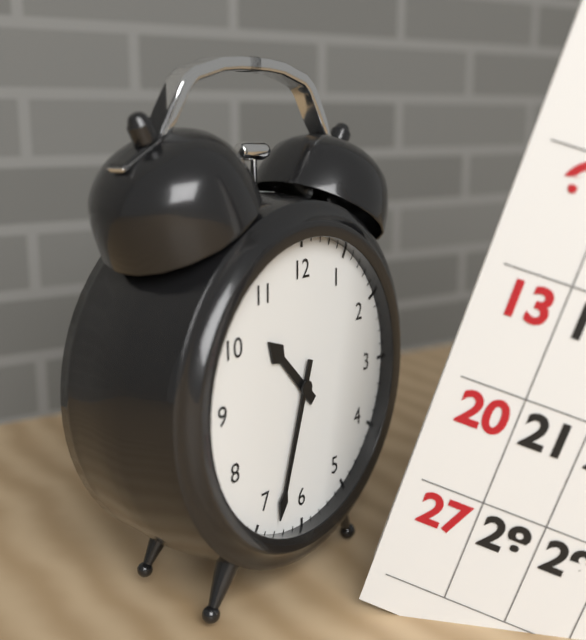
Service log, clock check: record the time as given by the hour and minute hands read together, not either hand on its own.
10:33
